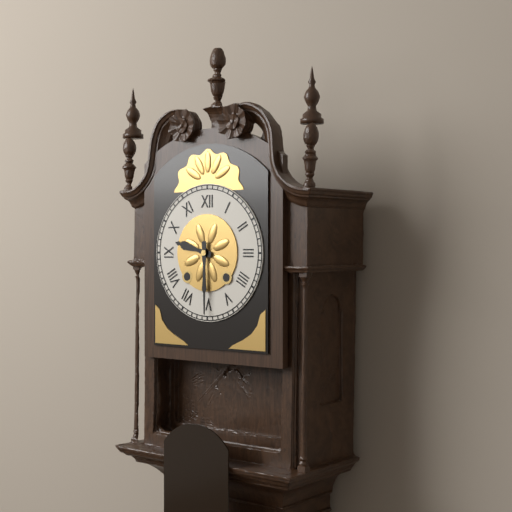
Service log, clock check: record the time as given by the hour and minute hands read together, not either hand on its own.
9:30
